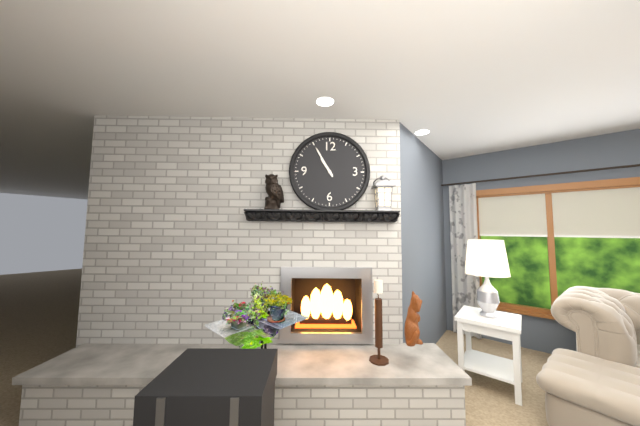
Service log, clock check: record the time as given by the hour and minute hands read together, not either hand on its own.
10:55
